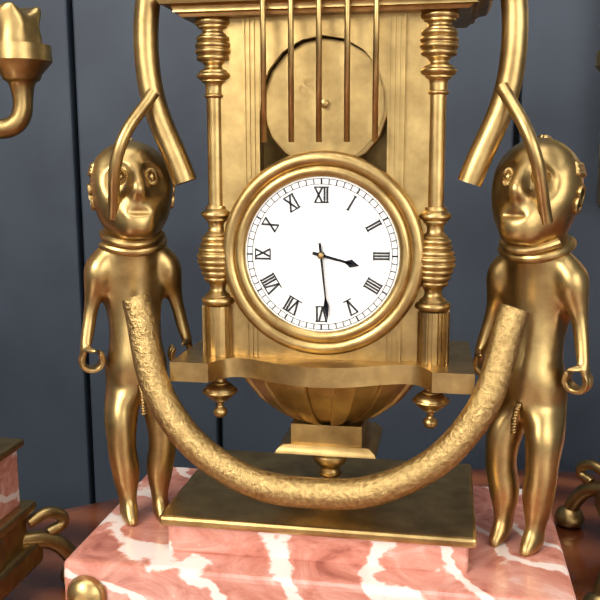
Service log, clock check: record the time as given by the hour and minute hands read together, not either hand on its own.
3:29
